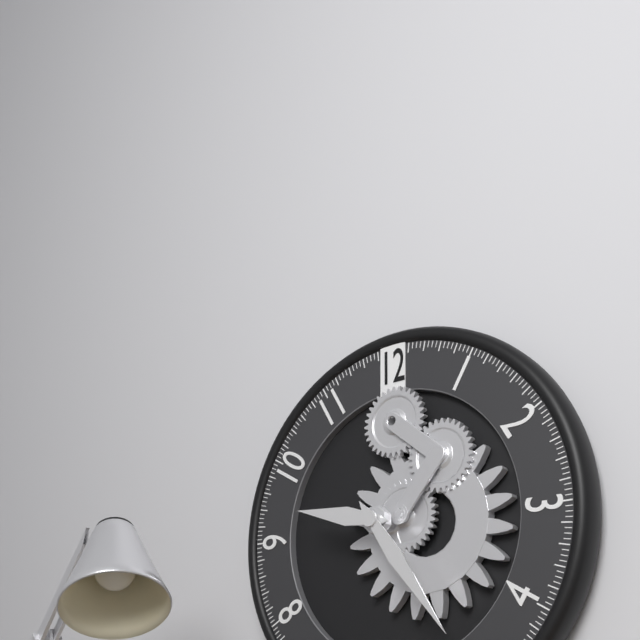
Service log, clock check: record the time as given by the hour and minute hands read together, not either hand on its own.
9:24
